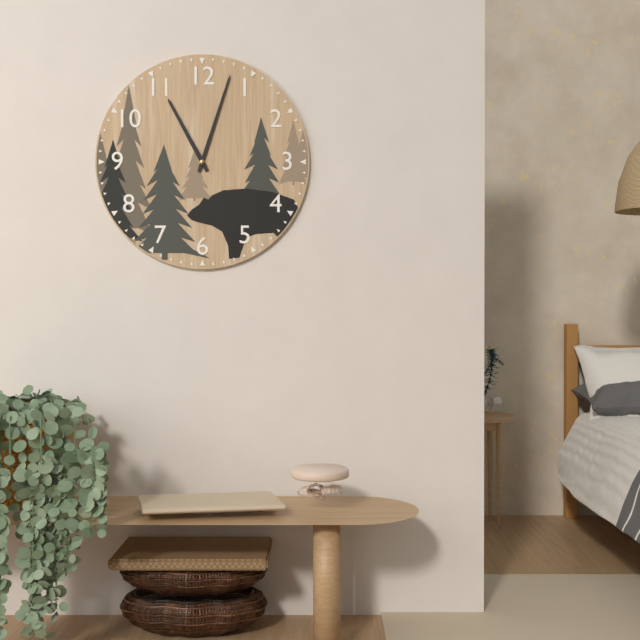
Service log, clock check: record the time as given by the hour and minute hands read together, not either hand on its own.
11:03
